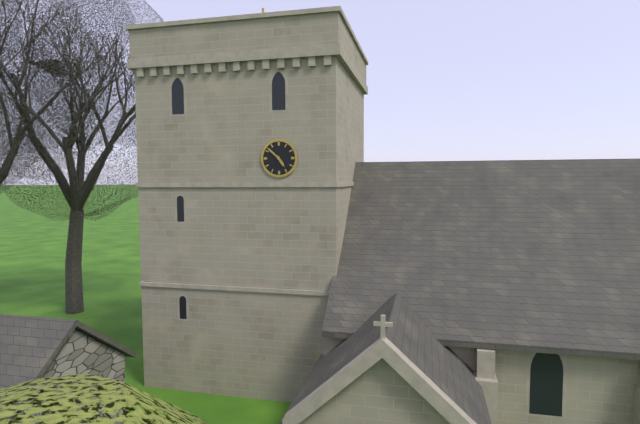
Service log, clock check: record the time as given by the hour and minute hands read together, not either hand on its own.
4:52
